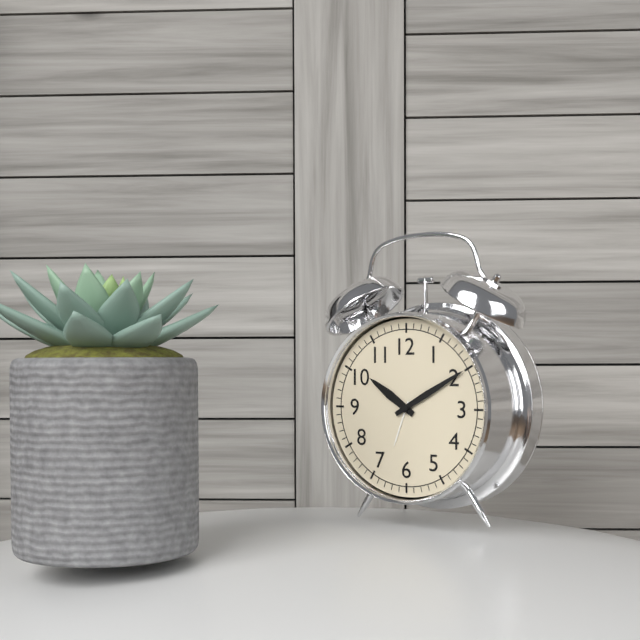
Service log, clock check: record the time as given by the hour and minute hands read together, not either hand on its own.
10:10
